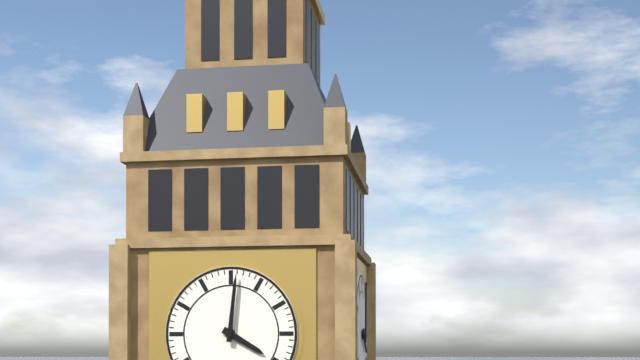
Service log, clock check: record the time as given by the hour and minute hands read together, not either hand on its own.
4:01
